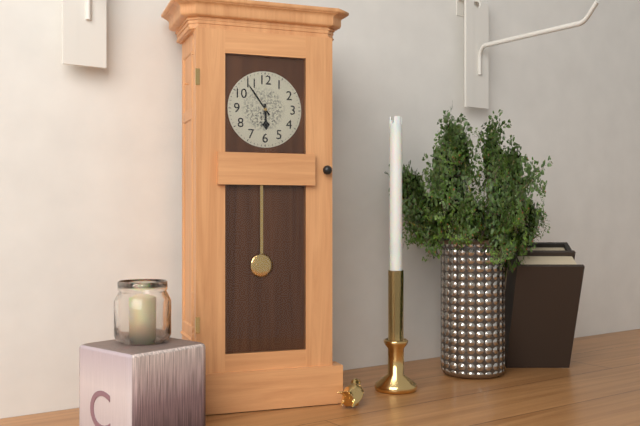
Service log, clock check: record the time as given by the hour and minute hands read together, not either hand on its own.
5:54
